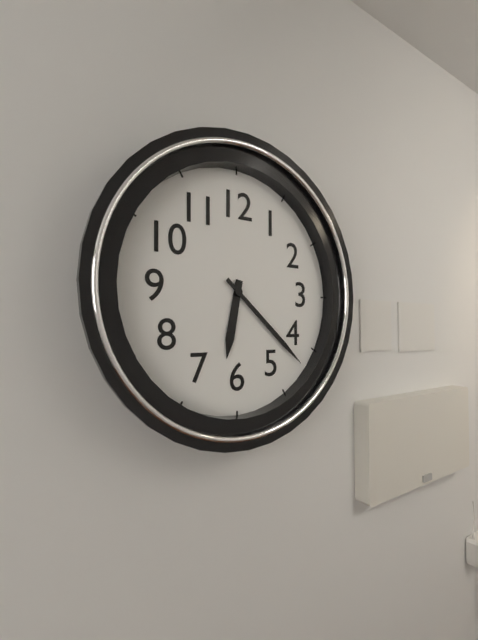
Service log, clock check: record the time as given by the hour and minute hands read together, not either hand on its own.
6:22
